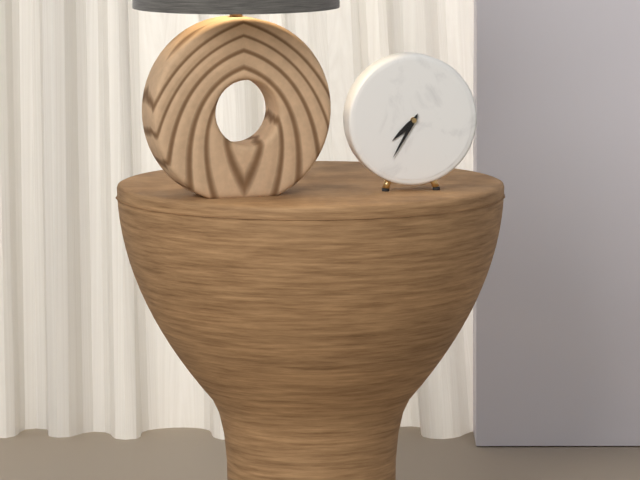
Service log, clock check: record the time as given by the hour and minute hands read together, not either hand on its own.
7:35
